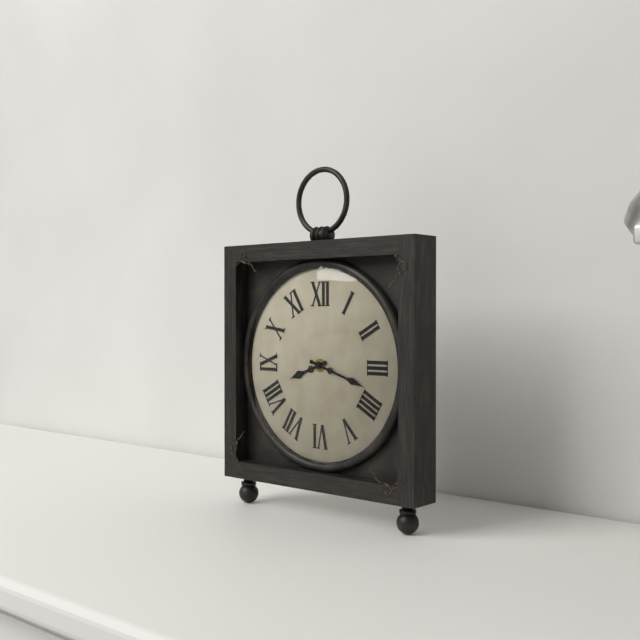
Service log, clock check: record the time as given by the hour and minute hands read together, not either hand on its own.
8:18
